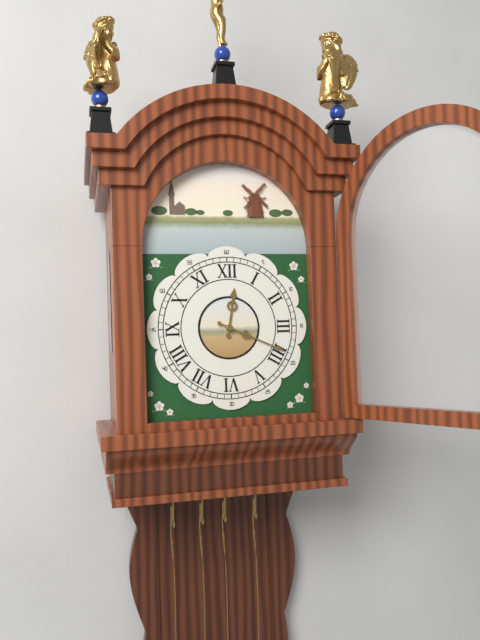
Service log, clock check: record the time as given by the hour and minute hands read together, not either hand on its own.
12:19
